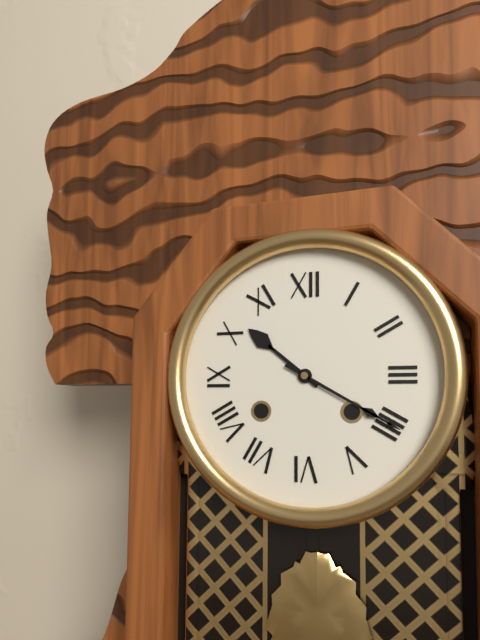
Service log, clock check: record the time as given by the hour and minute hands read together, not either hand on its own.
10:20
